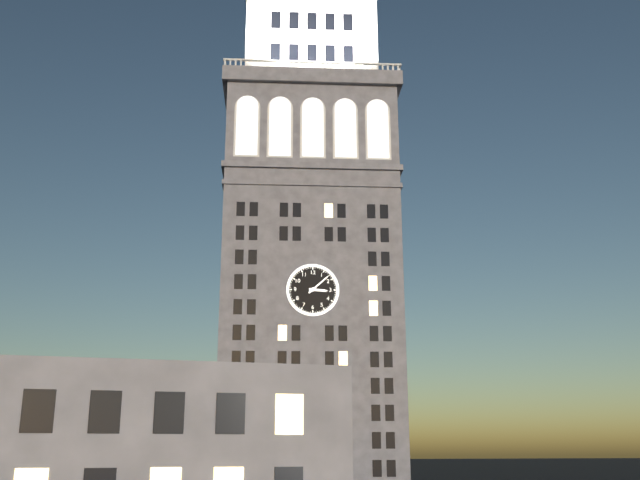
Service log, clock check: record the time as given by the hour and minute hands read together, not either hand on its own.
3:08
